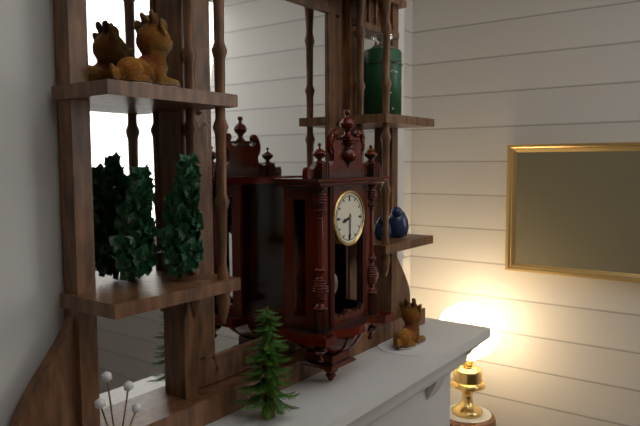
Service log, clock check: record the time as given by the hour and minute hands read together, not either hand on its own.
8:30
